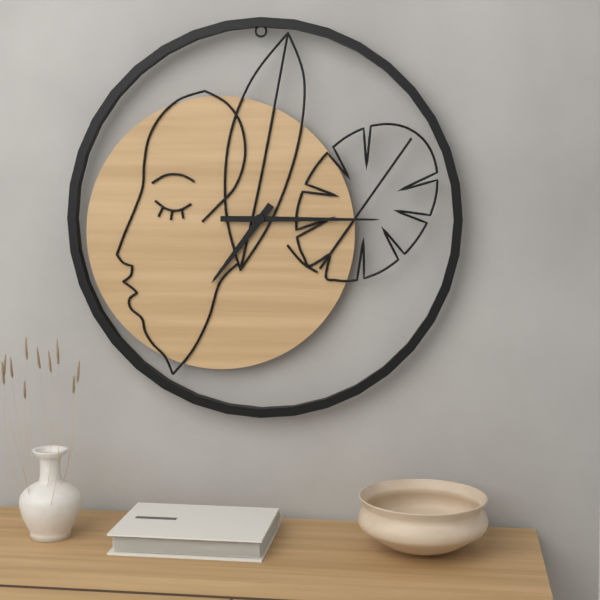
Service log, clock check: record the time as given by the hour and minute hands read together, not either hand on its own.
7:15
